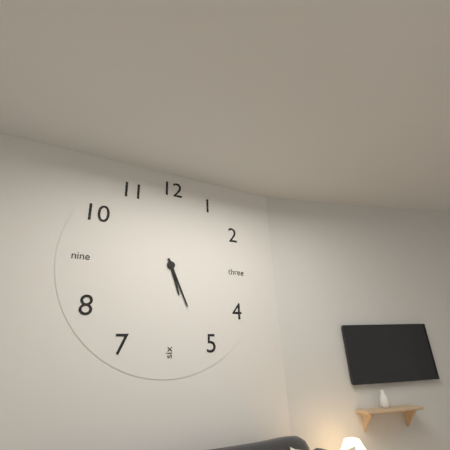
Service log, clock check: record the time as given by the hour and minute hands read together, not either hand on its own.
5:26
